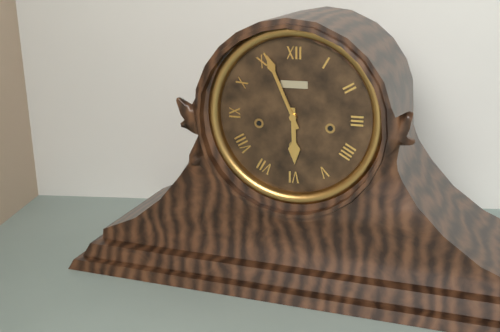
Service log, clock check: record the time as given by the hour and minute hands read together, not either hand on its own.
5:56
